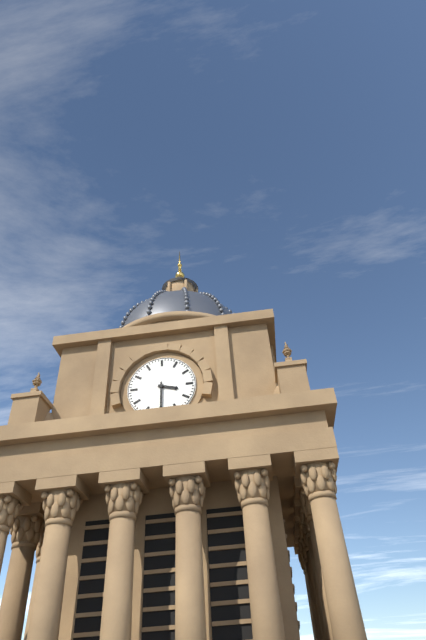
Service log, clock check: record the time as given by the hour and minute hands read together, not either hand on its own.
3:30
